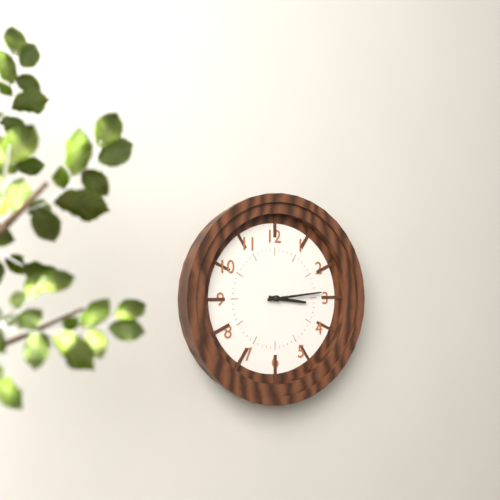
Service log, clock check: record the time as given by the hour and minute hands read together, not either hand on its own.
3:14
